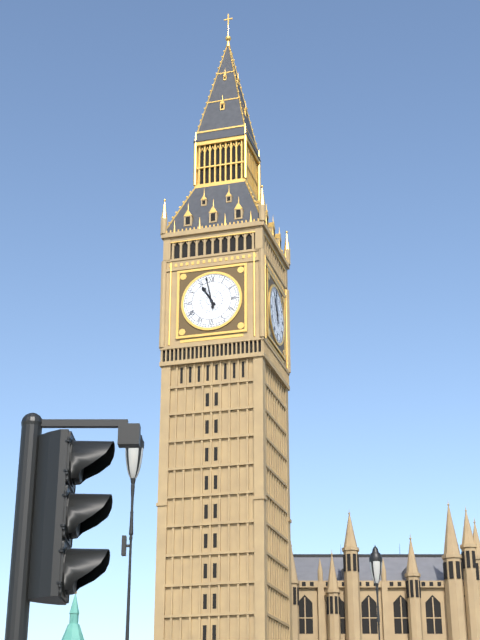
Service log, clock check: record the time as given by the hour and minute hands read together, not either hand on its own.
10:58
